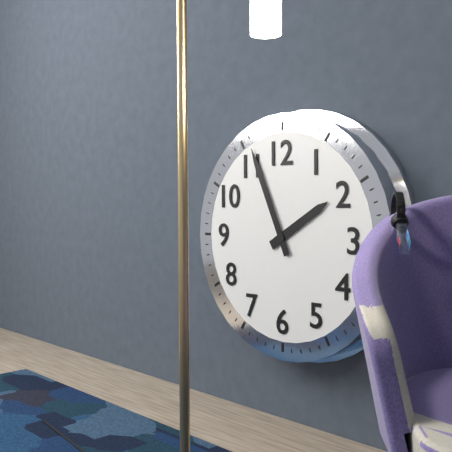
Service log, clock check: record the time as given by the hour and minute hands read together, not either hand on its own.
1:56
